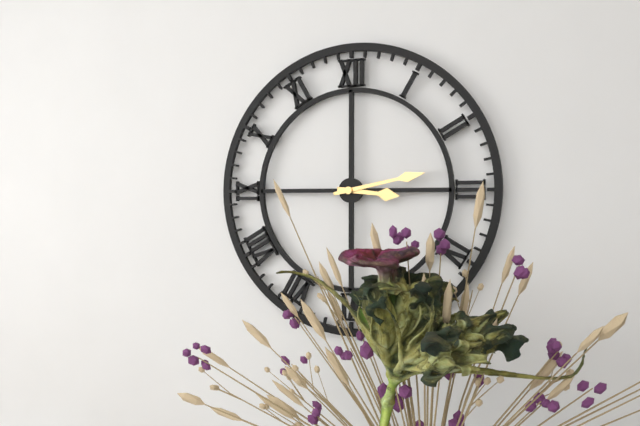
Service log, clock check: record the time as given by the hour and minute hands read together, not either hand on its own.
3:13
